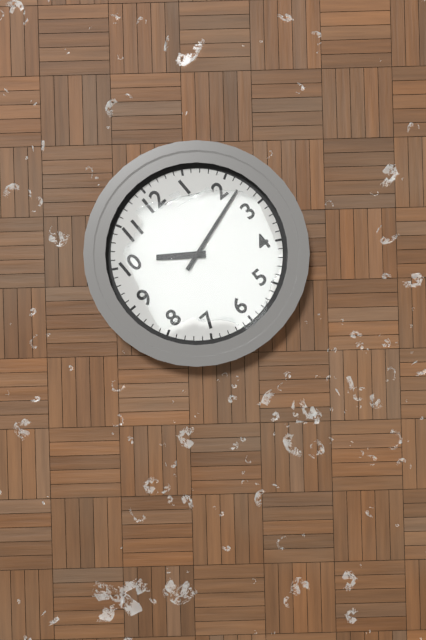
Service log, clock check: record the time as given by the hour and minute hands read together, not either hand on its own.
10:12
